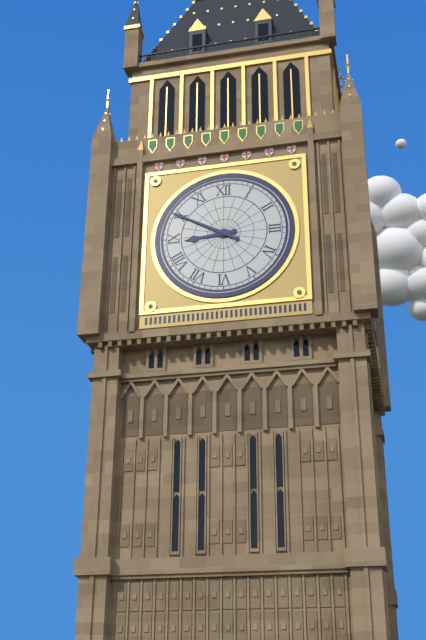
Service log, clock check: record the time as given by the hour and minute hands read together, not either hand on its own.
8:50
